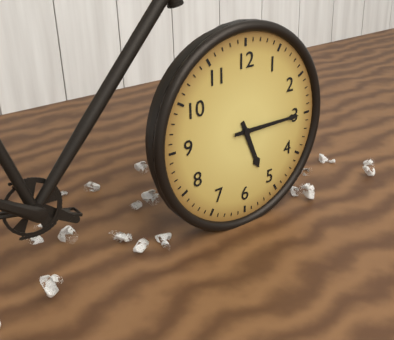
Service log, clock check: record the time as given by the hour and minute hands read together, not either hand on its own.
5:15
